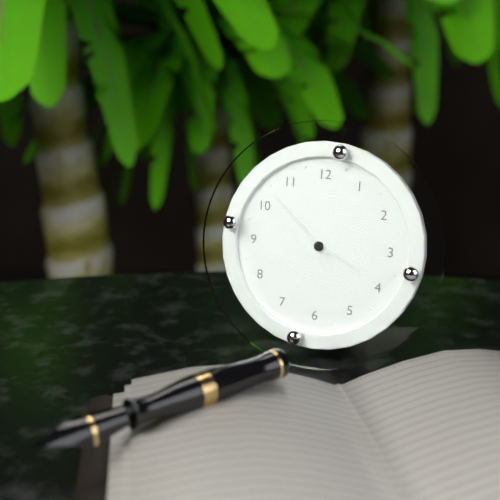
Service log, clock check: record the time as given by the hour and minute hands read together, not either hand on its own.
3:52
